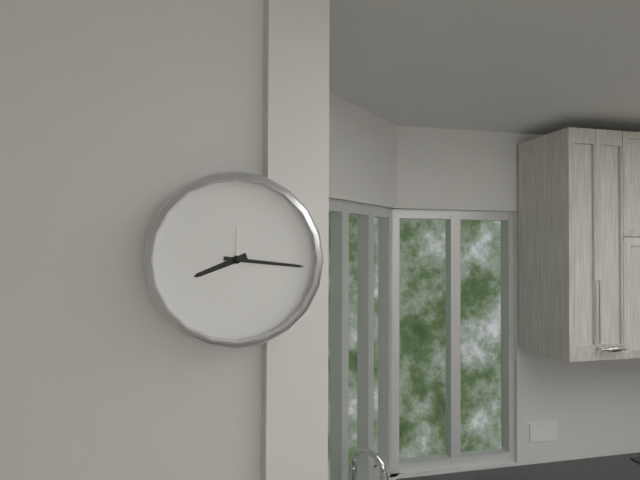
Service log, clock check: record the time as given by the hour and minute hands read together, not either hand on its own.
8:16
